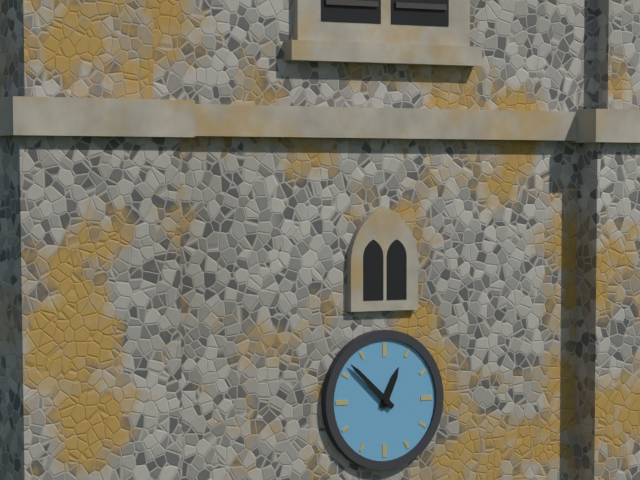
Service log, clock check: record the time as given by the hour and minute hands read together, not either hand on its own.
12:52
